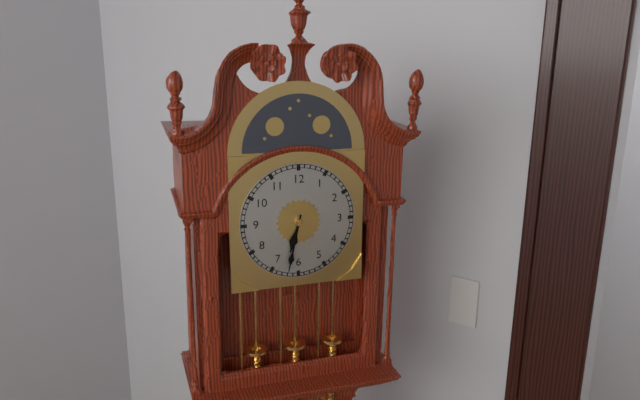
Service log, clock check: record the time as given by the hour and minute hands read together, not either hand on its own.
6:32
